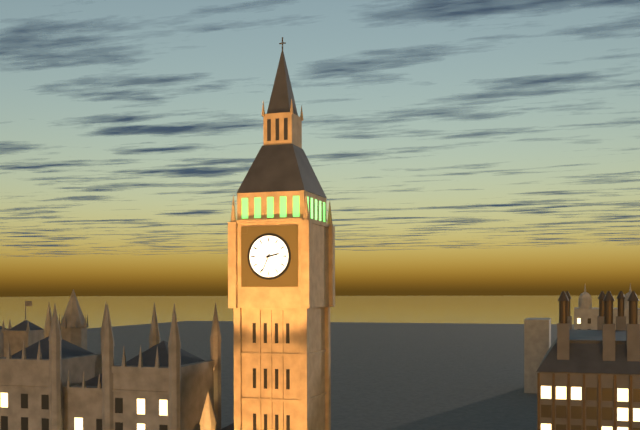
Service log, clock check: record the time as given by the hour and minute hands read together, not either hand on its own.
2:34
